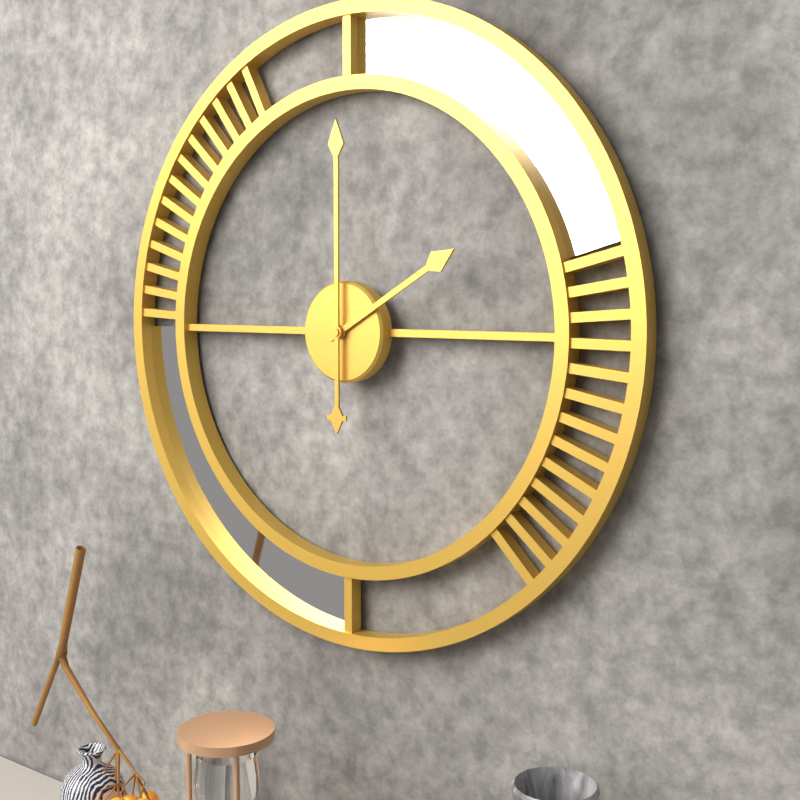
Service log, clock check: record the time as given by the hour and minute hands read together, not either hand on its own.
2:00
